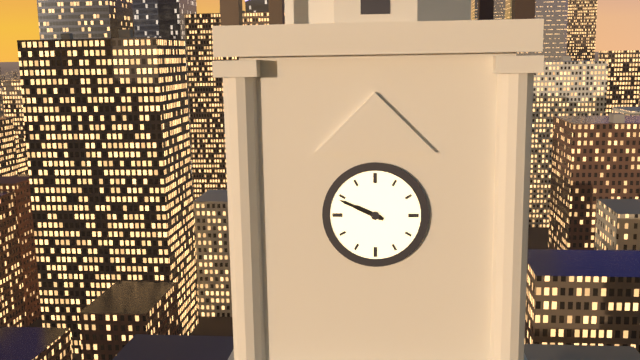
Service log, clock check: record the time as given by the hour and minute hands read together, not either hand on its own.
9:49
